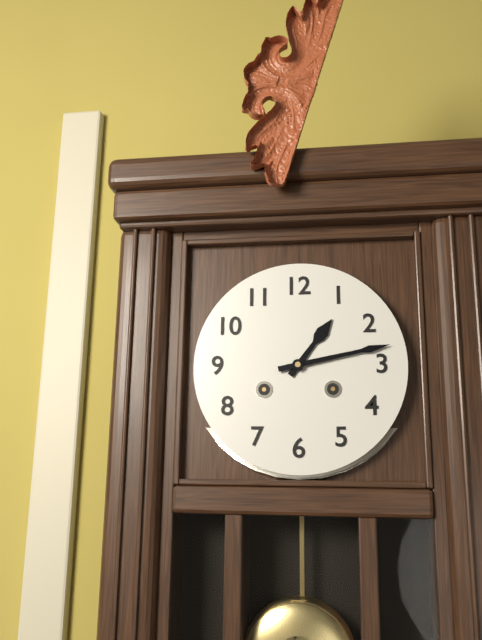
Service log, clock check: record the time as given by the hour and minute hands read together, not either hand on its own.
1:13
